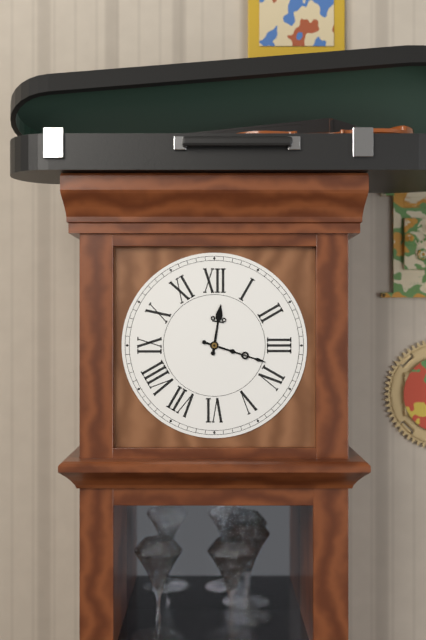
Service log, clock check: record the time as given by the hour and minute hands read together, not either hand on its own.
12:18
